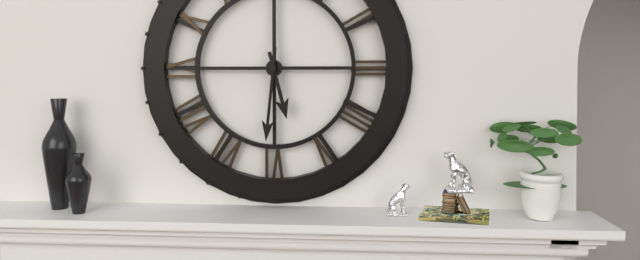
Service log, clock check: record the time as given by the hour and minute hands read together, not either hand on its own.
5:31
